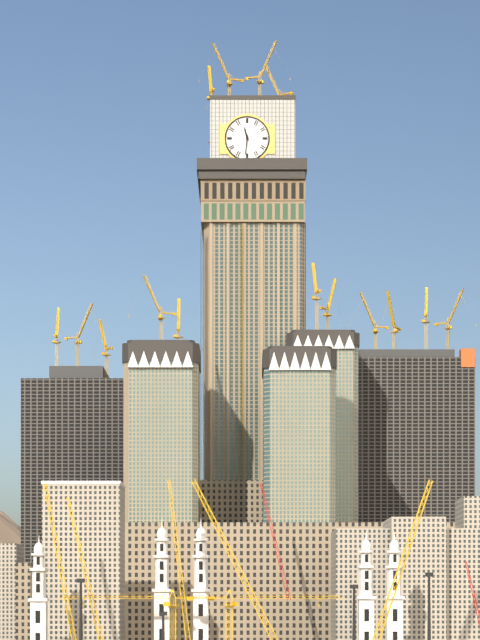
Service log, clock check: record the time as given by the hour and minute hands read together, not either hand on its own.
11:31
